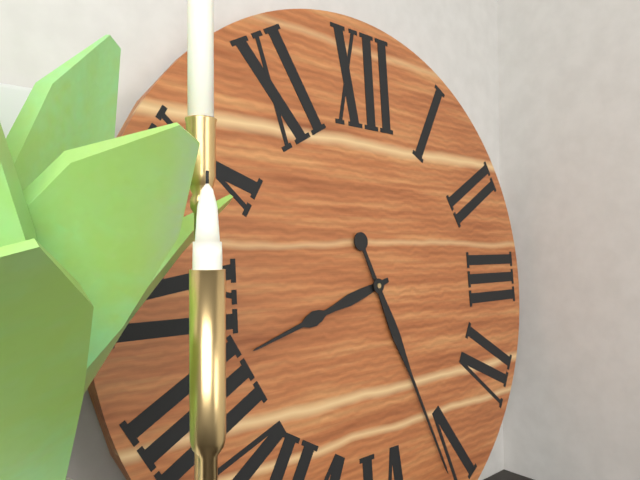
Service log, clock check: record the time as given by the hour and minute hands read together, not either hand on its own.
8:26
